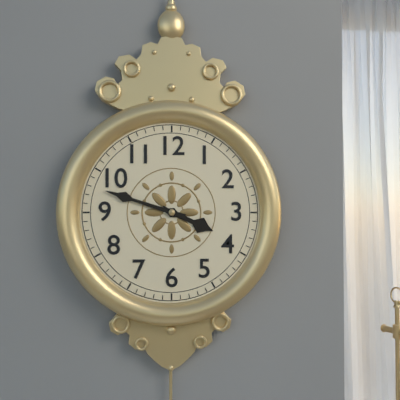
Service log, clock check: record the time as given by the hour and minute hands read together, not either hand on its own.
3:48
